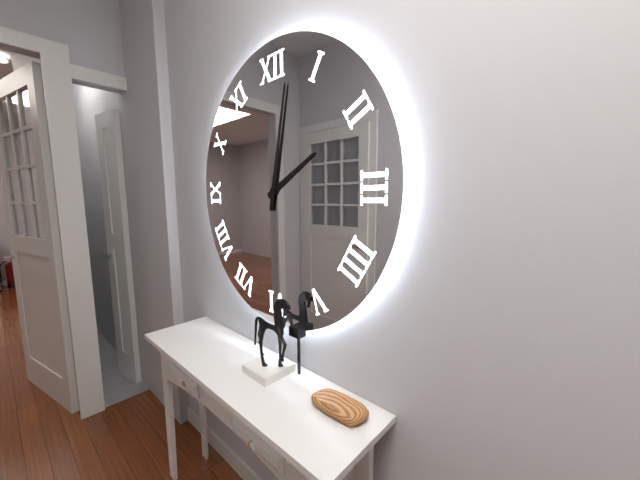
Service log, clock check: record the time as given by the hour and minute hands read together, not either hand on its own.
2:02
